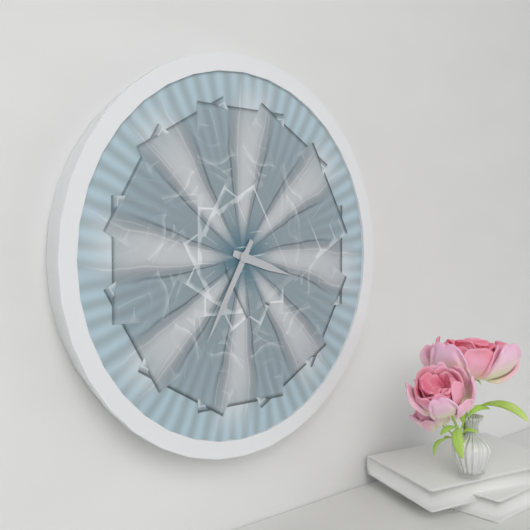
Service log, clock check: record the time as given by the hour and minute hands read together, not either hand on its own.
3:35
